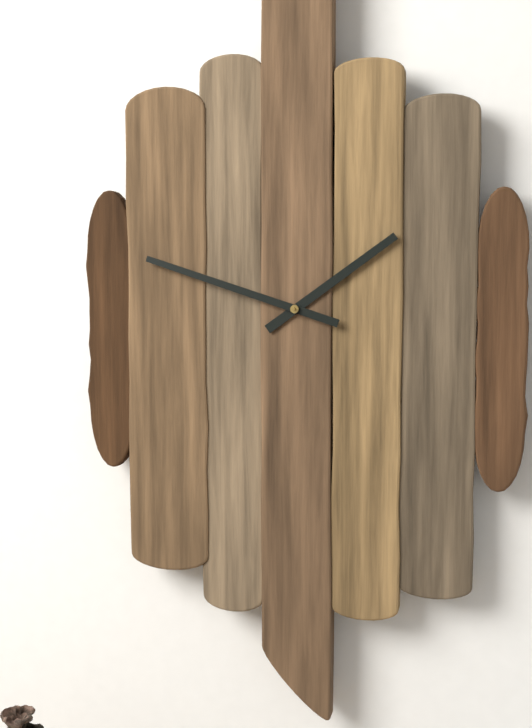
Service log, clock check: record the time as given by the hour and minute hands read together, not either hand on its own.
1:48
